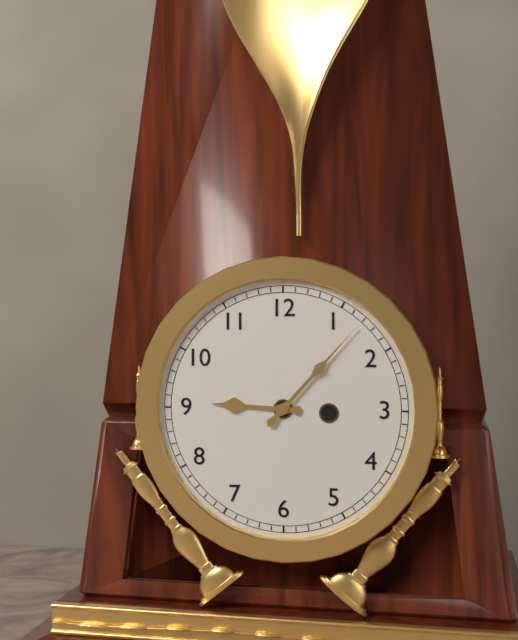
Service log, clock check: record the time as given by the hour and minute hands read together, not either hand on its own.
9:07
